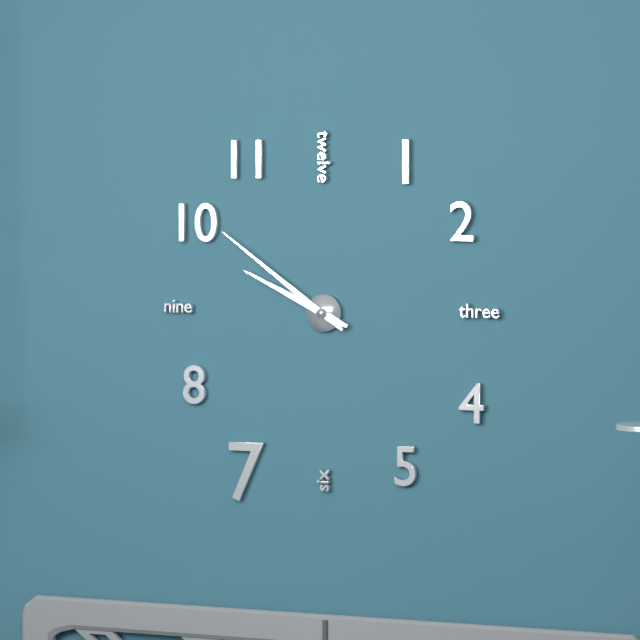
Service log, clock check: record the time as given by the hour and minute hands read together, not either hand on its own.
9:51
